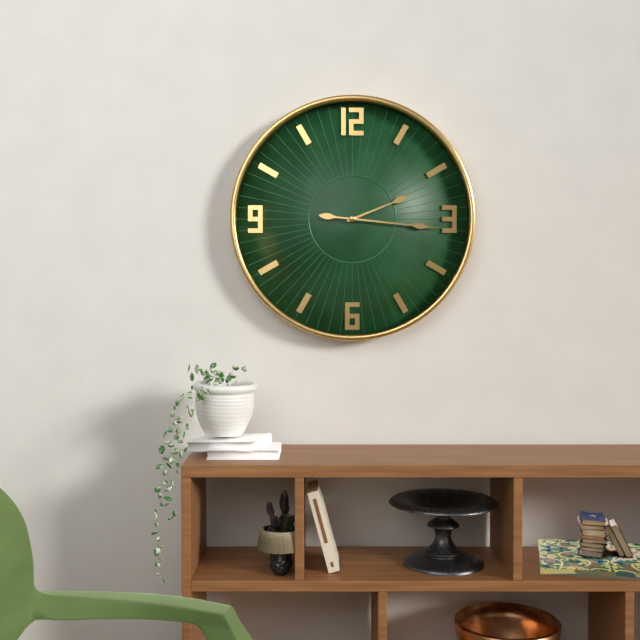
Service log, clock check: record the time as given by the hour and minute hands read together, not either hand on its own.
2:16
